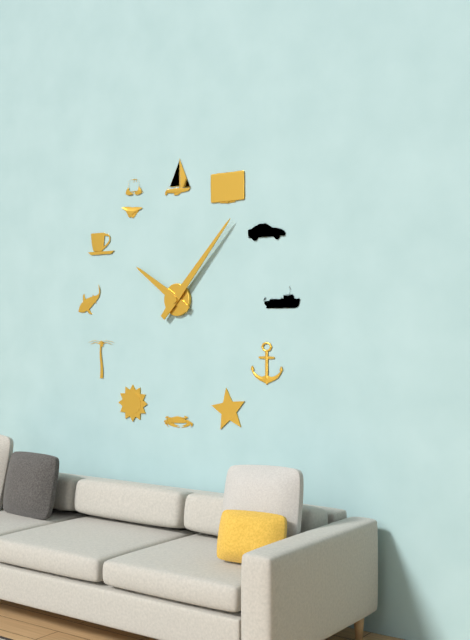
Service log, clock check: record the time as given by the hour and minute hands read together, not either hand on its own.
10:07
